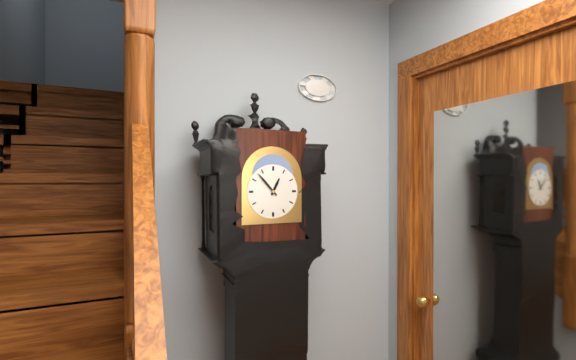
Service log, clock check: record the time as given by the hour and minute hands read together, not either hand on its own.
12:53
